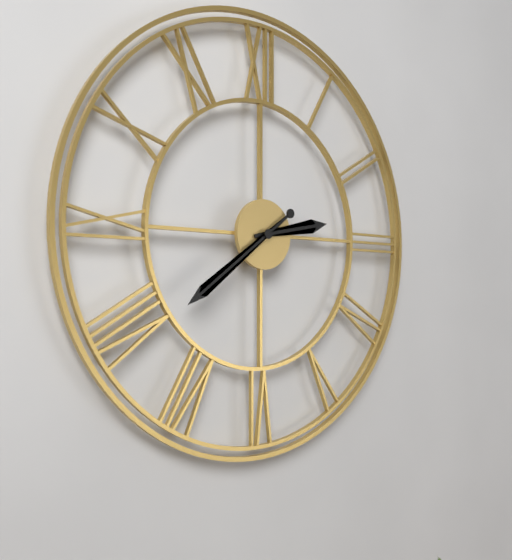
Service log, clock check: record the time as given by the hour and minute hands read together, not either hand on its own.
2:39
